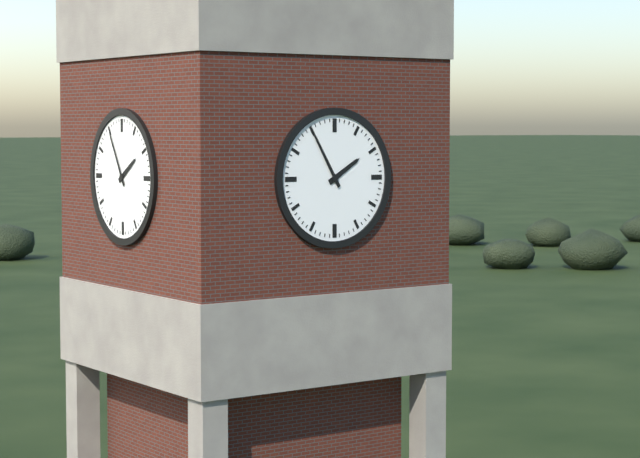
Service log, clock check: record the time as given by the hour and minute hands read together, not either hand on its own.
1:55
